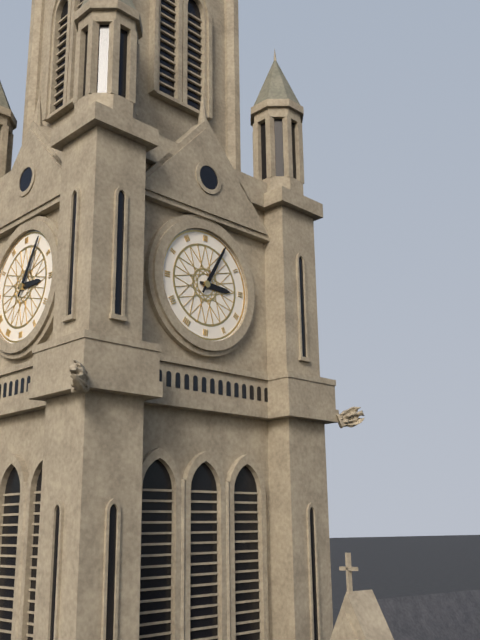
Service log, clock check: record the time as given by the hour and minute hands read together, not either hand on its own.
3:05
